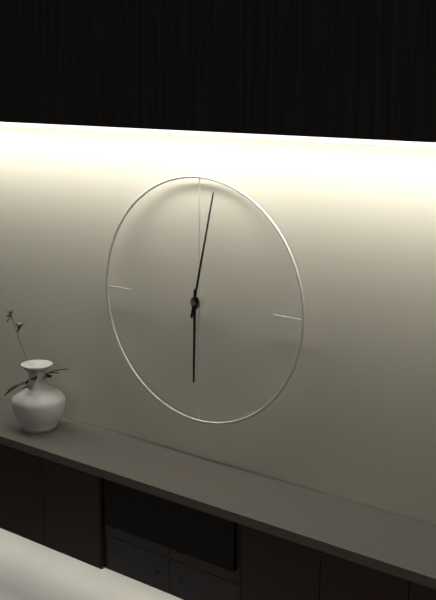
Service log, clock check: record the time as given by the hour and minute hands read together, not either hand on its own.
6:02
